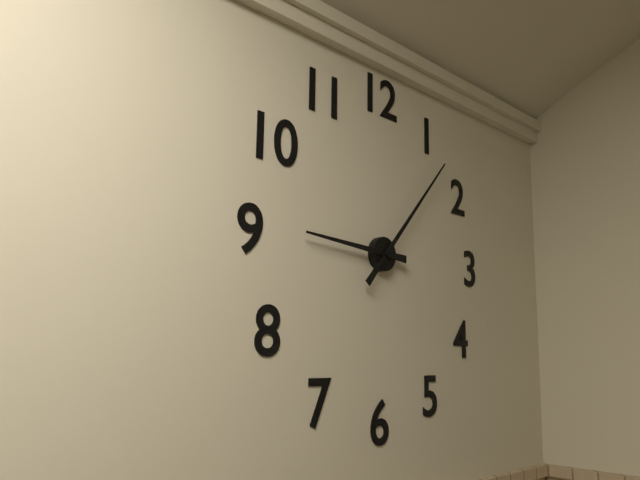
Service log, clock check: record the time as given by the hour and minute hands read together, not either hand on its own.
9:07
